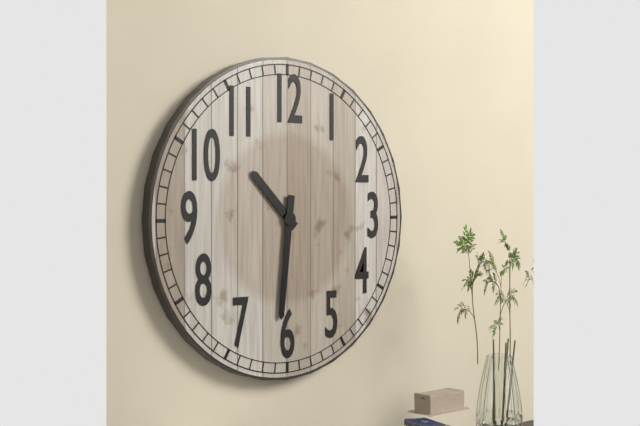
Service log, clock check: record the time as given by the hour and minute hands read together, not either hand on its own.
10:31
